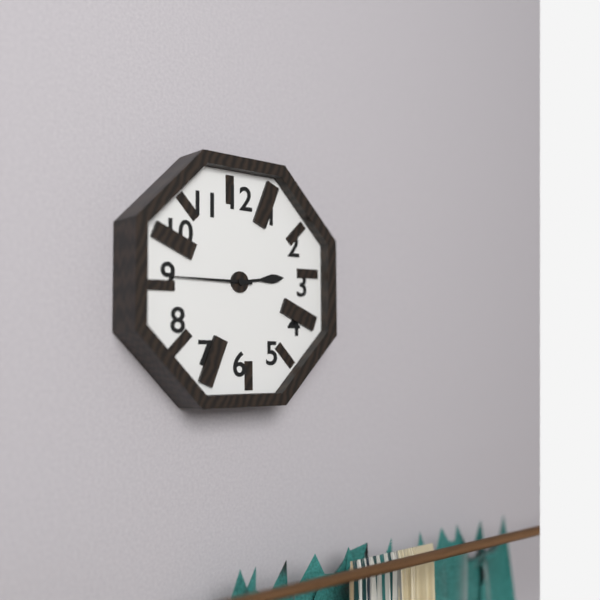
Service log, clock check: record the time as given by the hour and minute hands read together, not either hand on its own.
2:45
